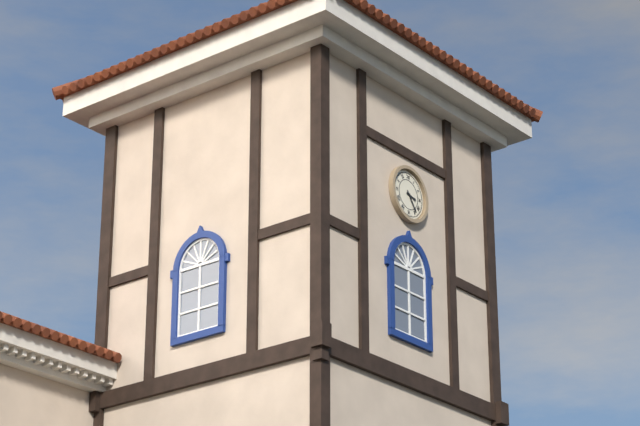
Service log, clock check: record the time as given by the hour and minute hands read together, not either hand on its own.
3:24
